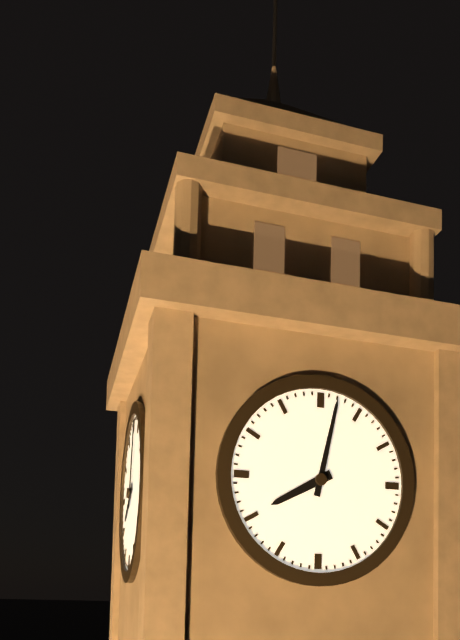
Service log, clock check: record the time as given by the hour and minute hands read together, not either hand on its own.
8:02
